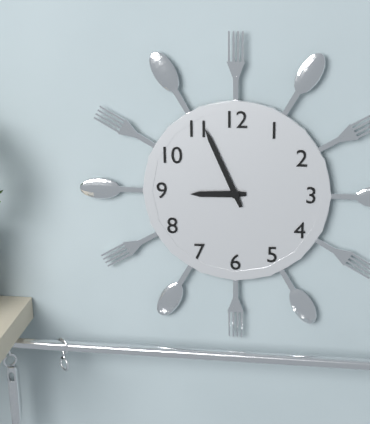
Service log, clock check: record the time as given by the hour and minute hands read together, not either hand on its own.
8:56
